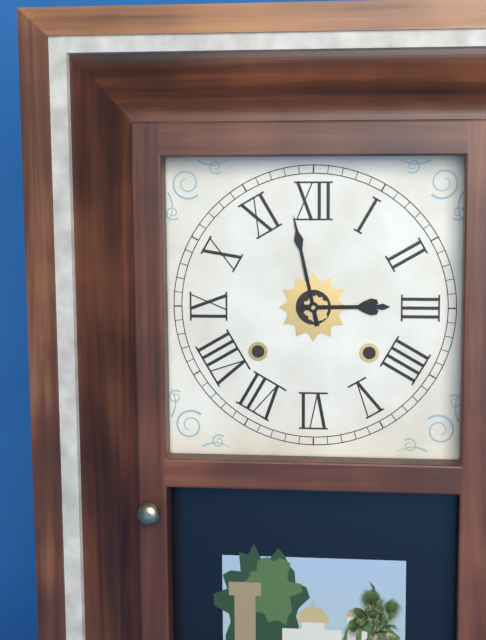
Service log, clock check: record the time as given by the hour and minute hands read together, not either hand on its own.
2:58
